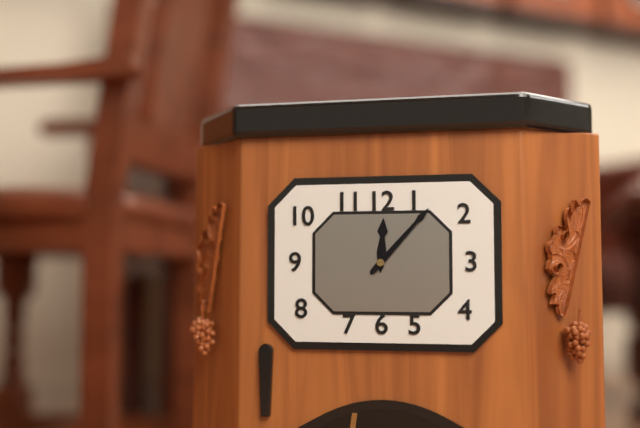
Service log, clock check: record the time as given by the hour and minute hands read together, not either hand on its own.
12:07
